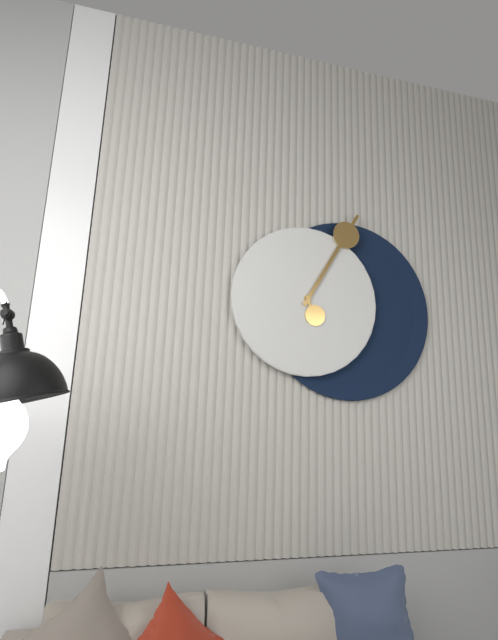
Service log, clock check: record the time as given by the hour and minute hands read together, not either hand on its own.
5:05
